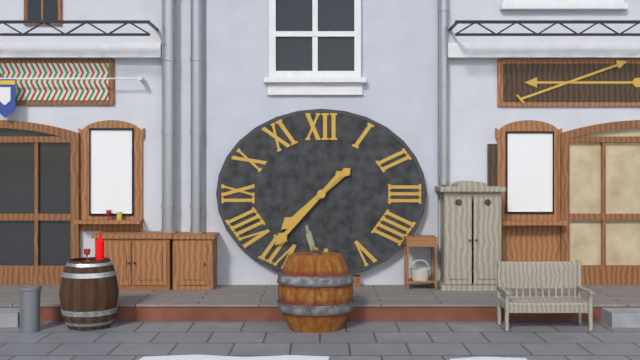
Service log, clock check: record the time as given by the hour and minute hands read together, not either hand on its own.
7:37
